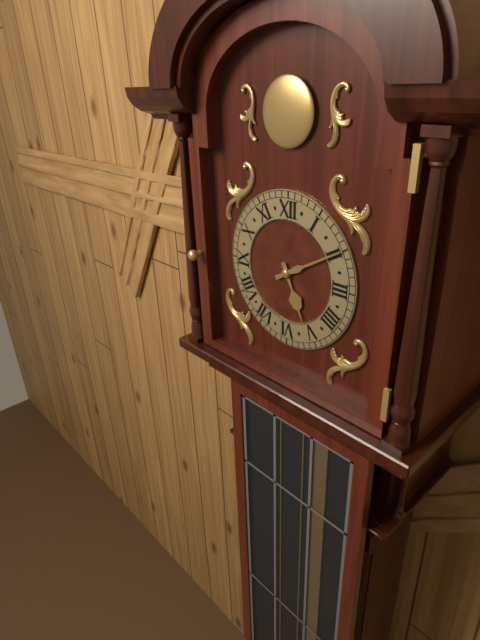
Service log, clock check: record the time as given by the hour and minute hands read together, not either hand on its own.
5:10
